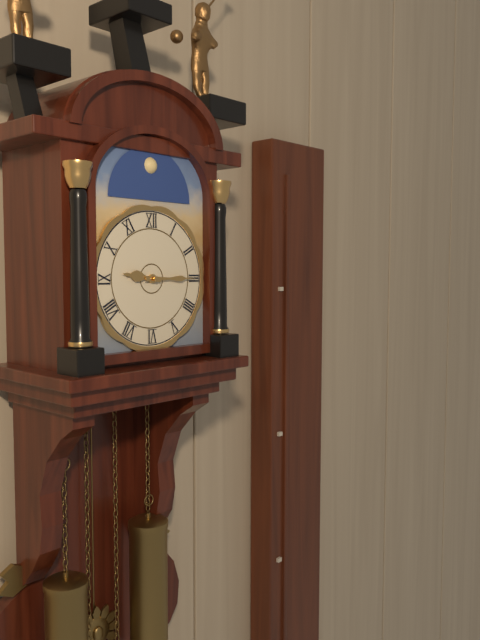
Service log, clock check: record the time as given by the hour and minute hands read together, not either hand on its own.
9:15
